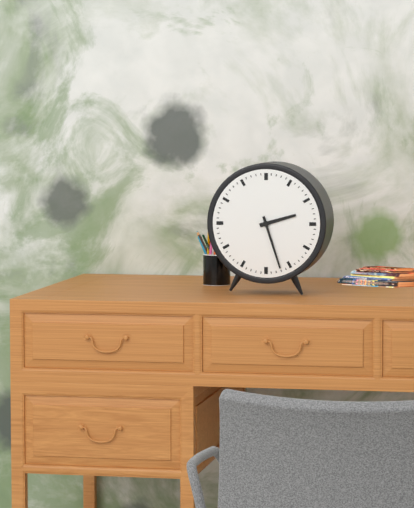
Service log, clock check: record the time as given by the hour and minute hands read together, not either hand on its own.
2:27
